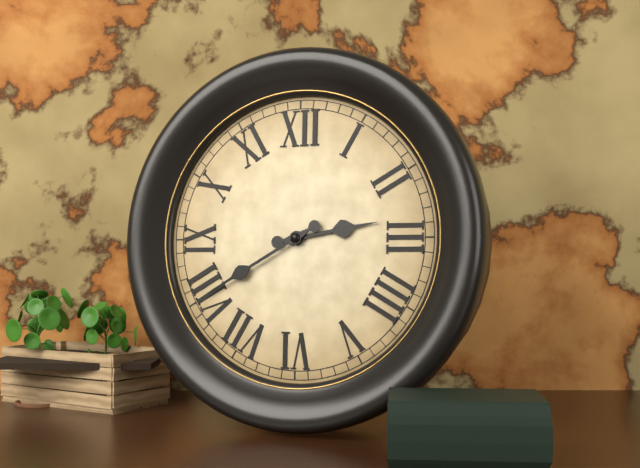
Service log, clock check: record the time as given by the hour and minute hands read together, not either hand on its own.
2:40
